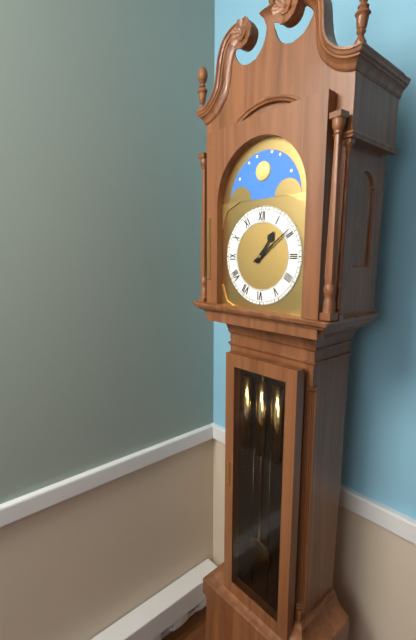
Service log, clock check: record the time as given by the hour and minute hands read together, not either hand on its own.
1:09
